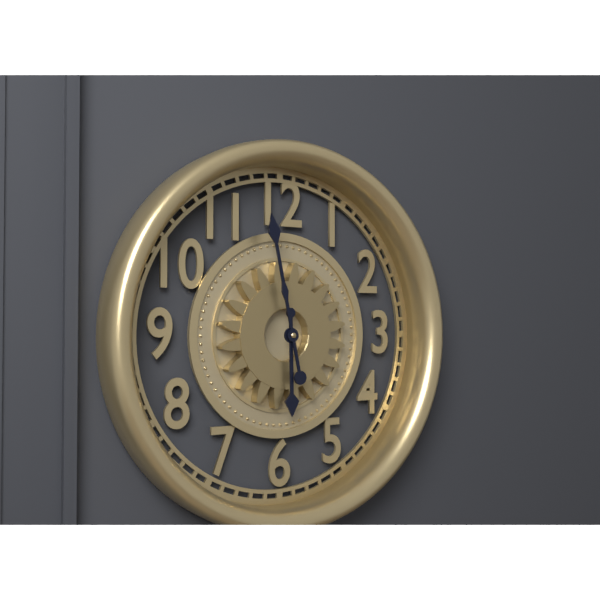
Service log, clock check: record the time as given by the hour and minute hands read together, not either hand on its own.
5:58
